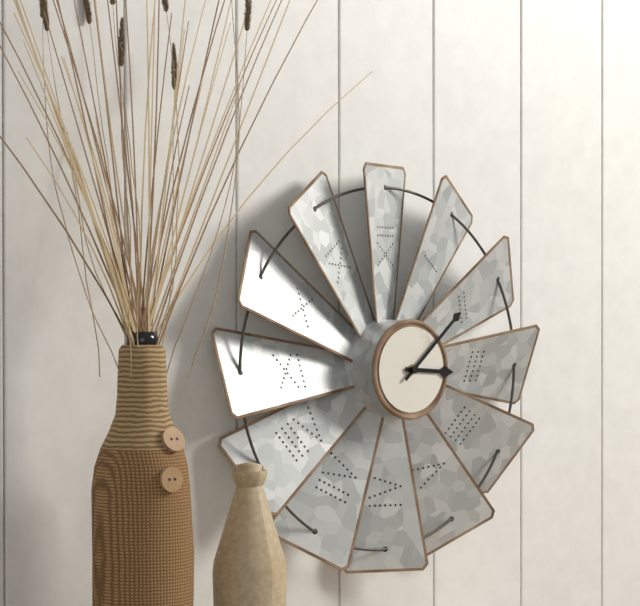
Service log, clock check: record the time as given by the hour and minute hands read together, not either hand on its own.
3:08
